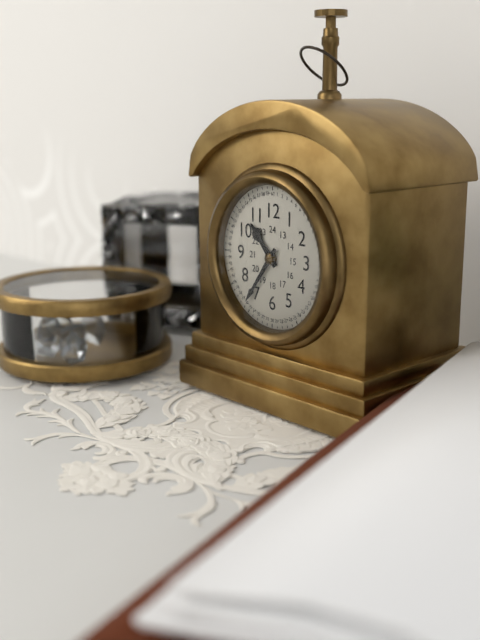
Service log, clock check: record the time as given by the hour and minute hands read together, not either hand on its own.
10:36
